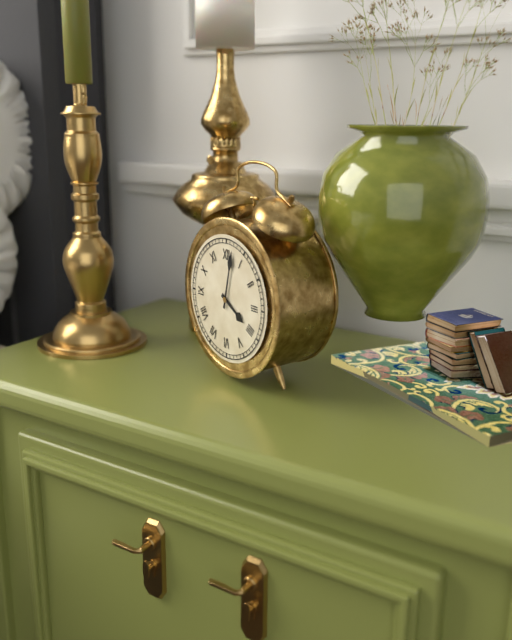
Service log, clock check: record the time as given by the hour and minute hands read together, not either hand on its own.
4:02
